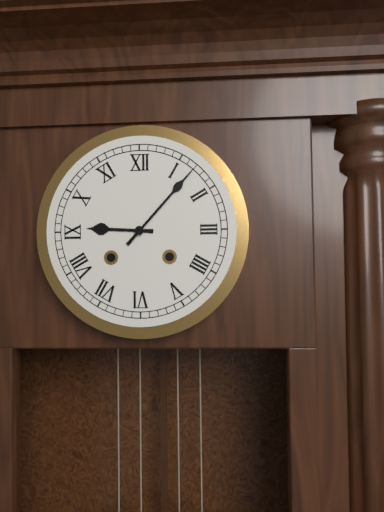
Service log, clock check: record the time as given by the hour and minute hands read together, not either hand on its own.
9:07
